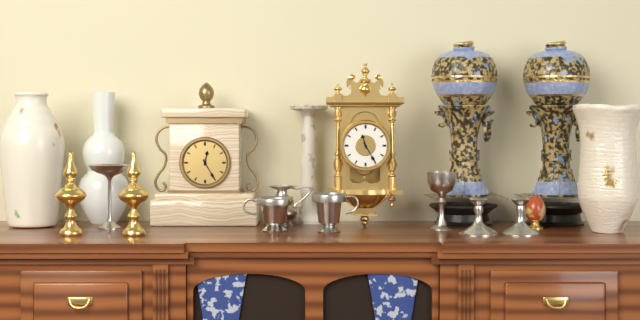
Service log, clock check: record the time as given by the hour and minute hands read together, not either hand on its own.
11:25
